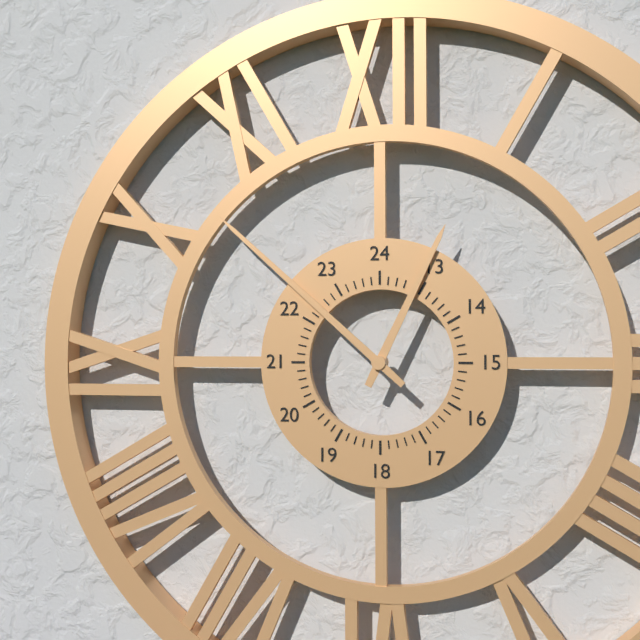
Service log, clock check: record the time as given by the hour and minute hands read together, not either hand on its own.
12:52
